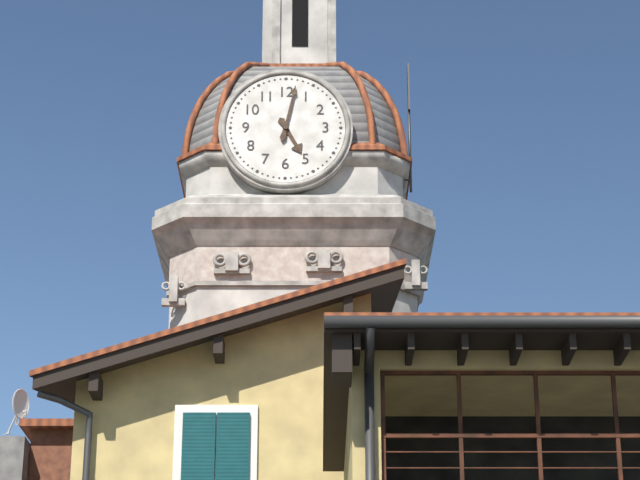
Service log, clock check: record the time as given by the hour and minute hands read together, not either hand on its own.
5:02
